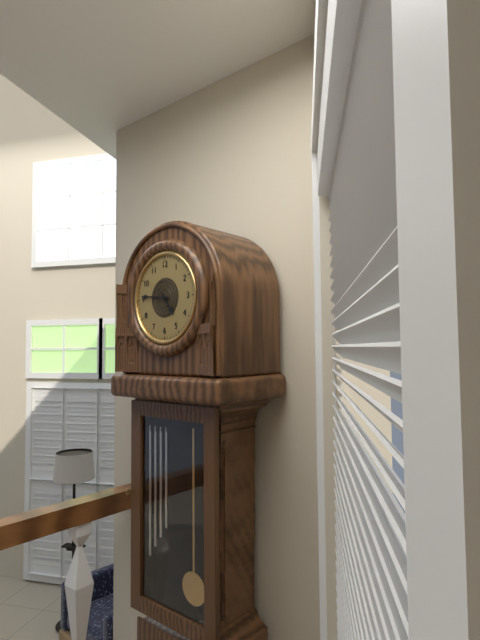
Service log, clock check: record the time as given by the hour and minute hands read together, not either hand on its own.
4:46
